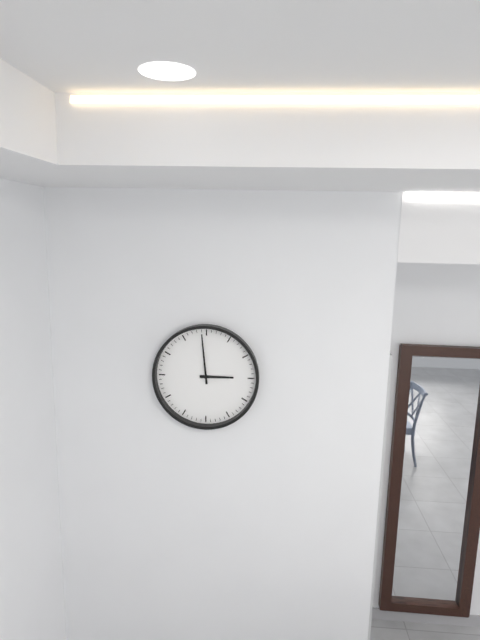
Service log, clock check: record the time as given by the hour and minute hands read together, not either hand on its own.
2:59
